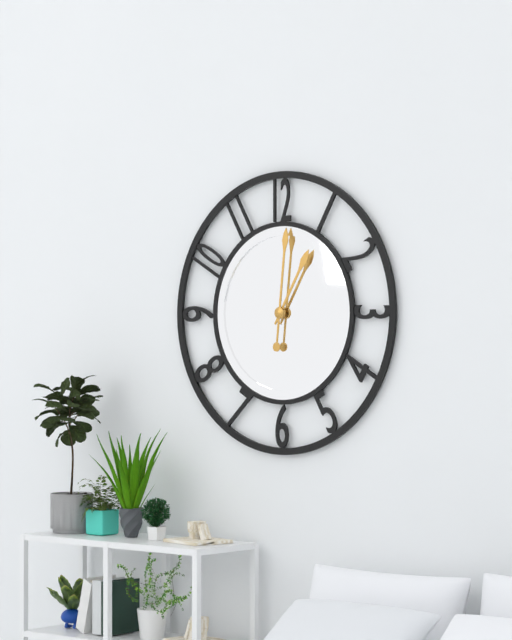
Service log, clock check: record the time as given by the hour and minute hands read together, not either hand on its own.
1:01
